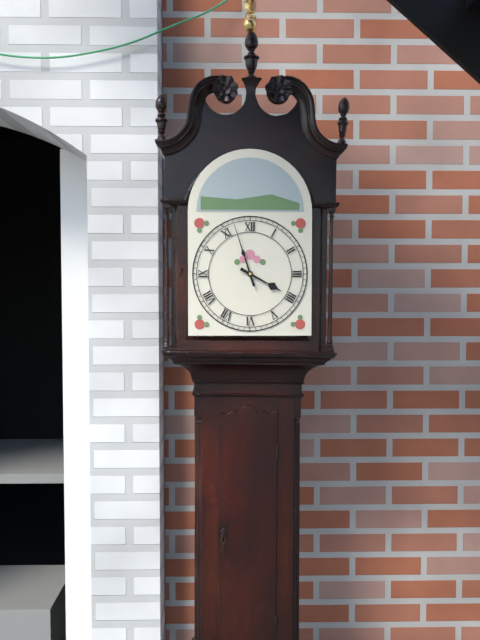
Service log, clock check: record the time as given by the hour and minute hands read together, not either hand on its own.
3:57
